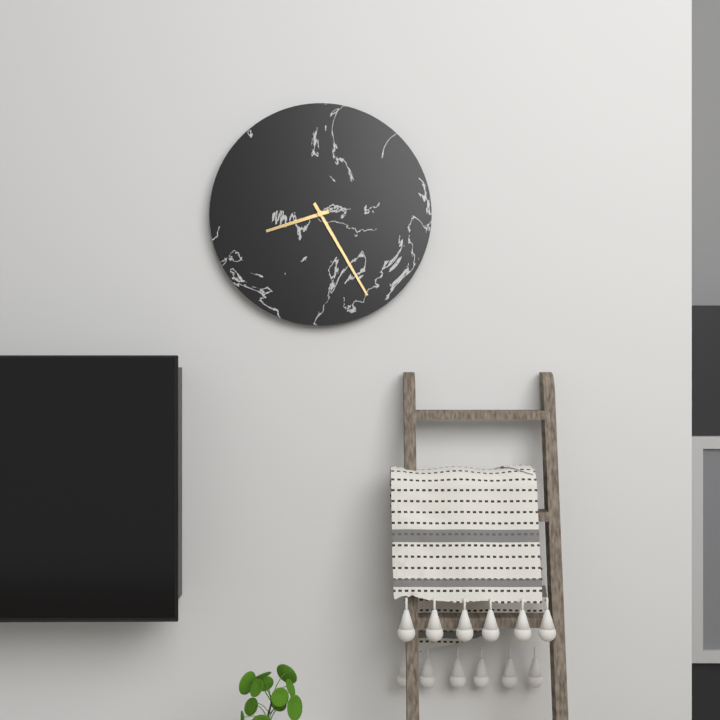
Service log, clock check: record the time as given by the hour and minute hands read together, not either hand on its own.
8:25
